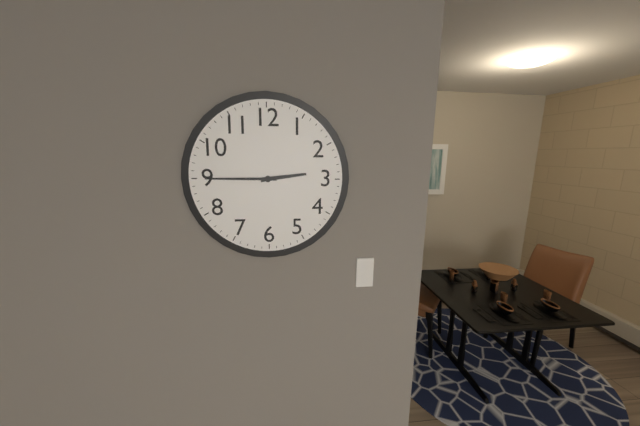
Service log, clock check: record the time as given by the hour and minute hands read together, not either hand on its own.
2:45
